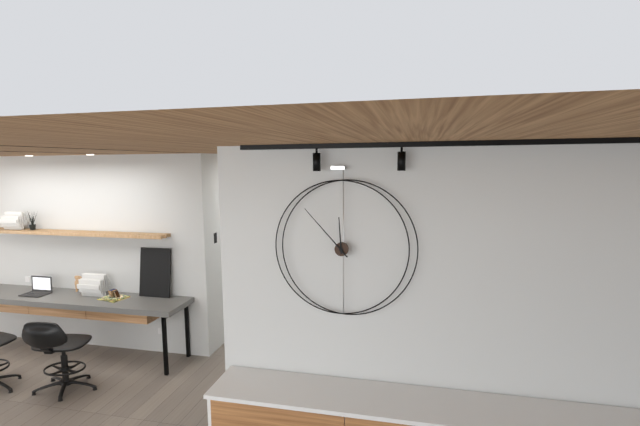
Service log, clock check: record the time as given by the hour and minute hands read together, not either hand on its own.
11:53
